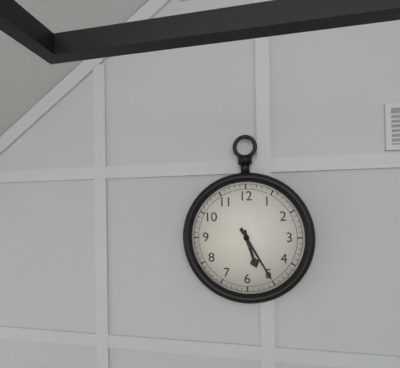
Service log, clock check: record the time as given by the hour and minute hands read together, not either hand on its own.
5:25
